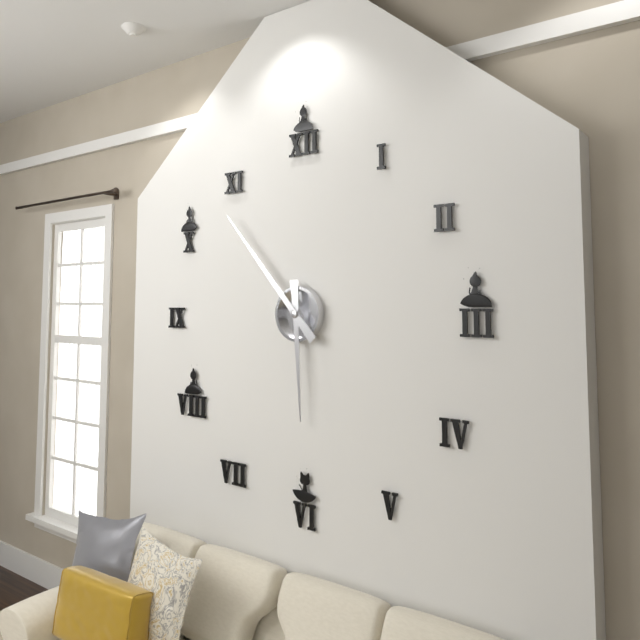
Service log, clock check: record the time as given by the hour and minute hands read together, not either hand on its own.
5:53
